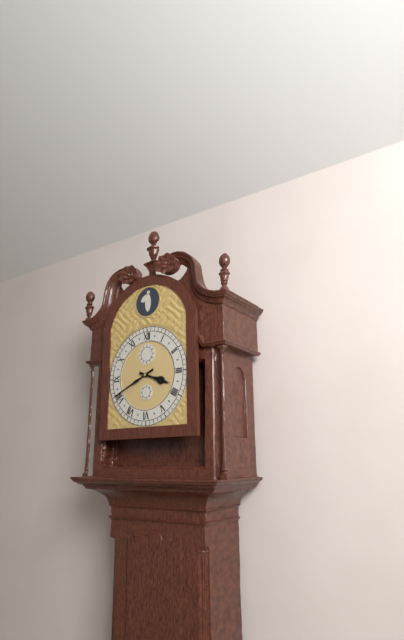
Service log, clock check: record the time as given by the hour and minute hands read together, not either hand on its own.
3:41
